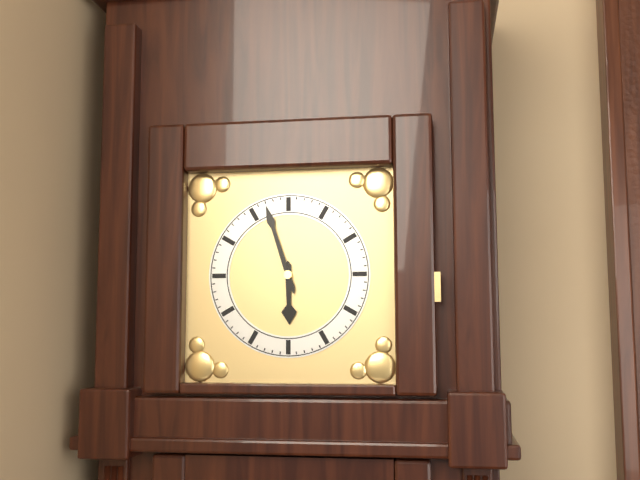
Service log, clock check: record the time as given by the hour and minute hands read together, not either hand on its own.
5:57
